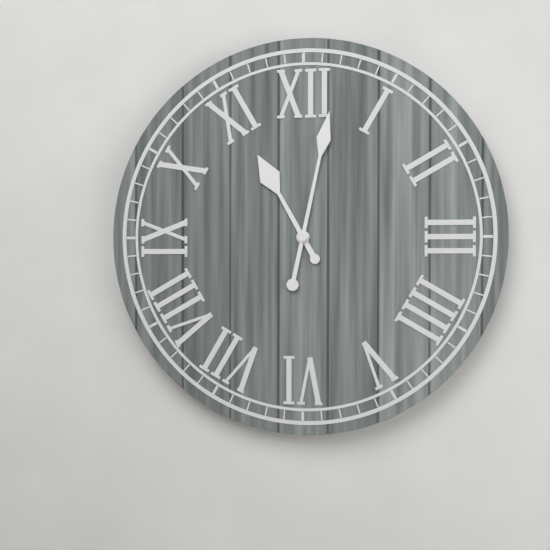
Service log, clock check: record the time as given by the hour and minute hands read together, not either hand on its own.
11:02
